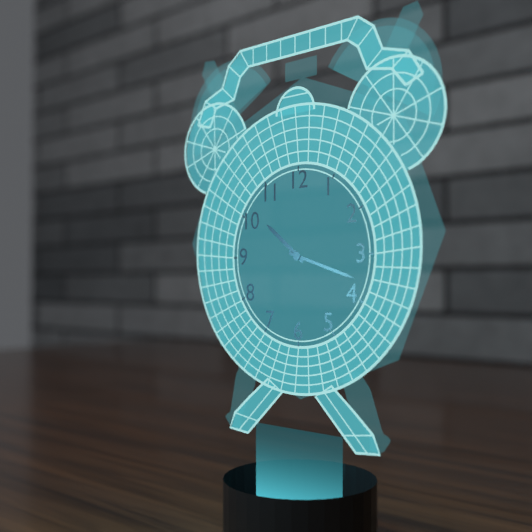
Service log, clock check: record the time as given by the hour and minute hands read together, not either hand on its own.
10:18
